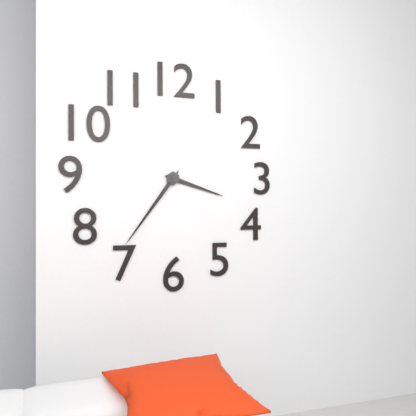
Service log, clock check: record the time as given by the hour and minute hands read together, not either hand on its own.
3:36
